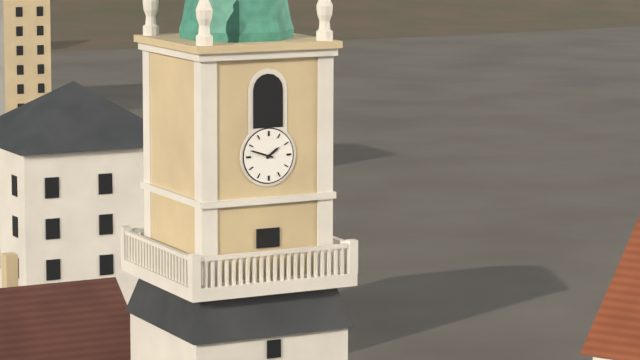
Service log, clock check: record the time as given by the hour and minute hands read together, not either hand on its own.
1:48
